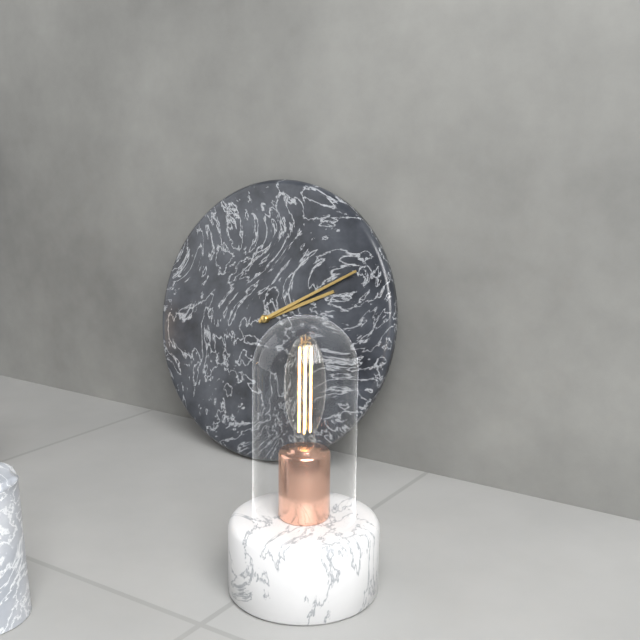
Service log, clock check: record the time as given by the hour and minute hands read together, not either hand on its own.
2:10
